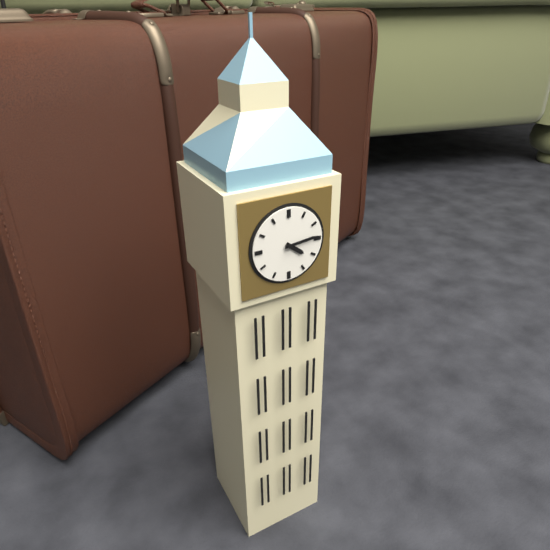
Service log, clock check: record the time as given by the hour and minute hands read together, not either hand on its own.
4:14
